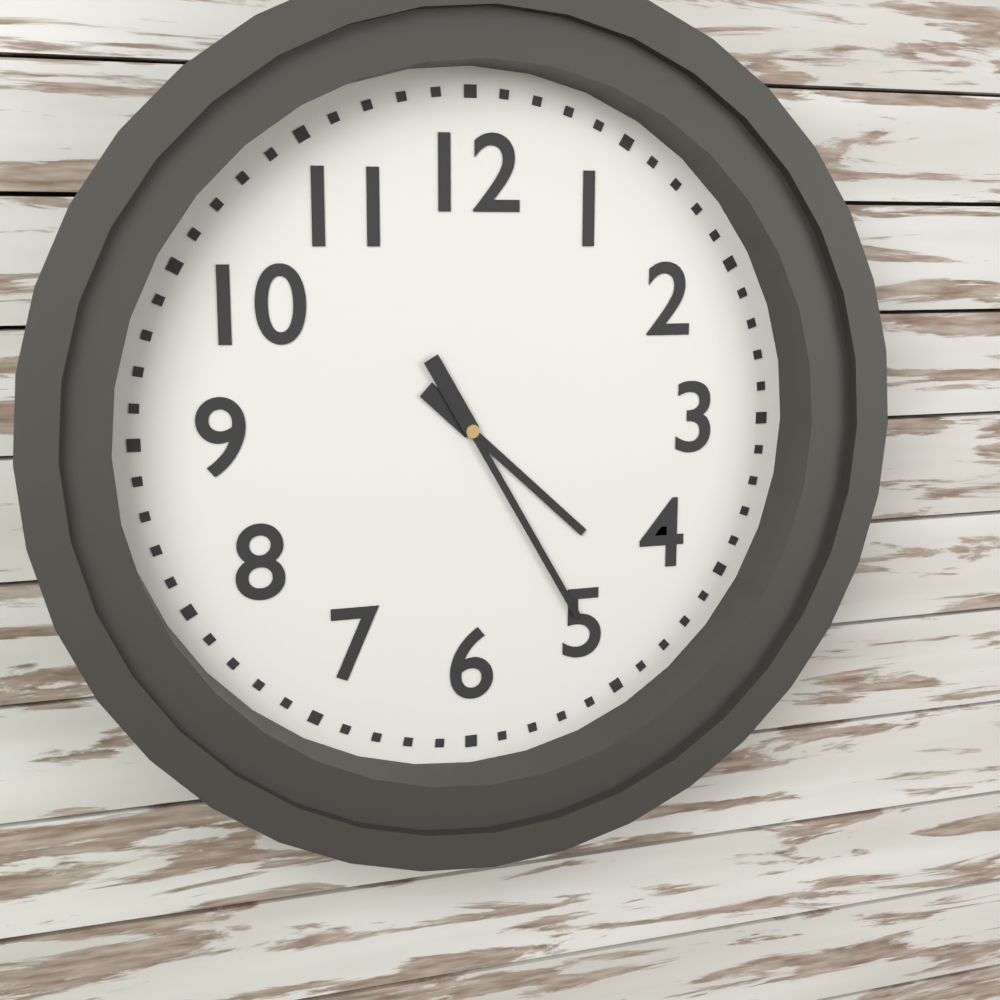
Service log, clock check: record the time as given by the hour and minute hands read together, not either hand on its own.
4:25
